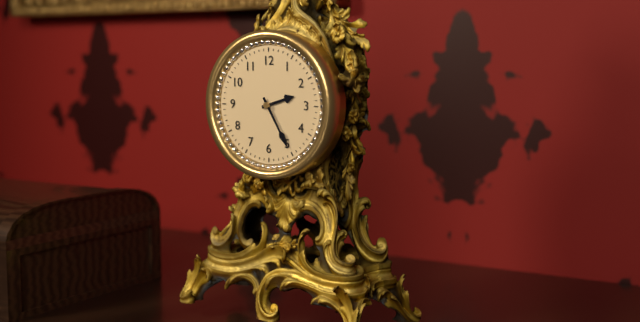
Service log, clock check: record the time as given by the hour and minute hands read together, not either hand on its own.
2:25
